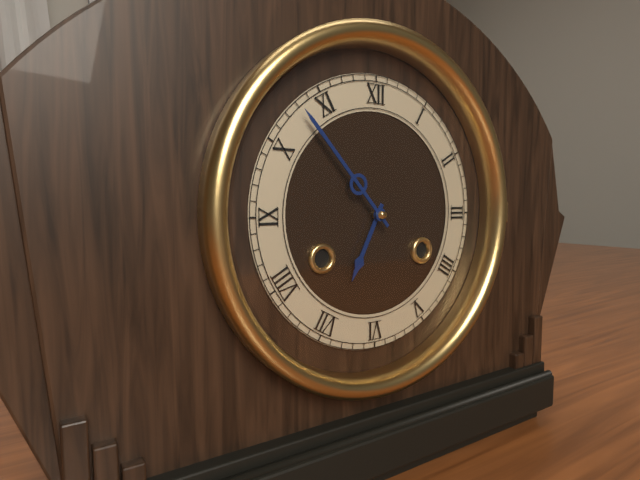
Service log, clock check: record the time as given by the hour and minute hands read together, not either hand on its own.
6:53
